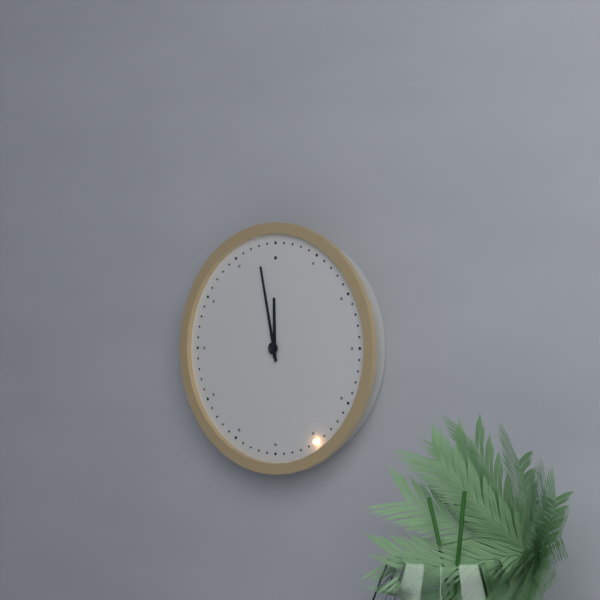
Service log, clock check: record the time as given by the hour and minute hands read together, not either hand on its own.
11:58
